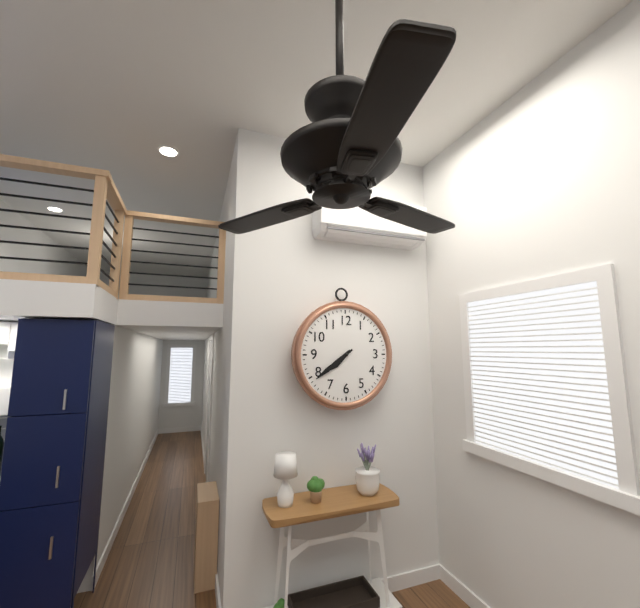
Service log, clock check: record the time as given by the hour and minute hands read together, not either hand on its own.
7:39
